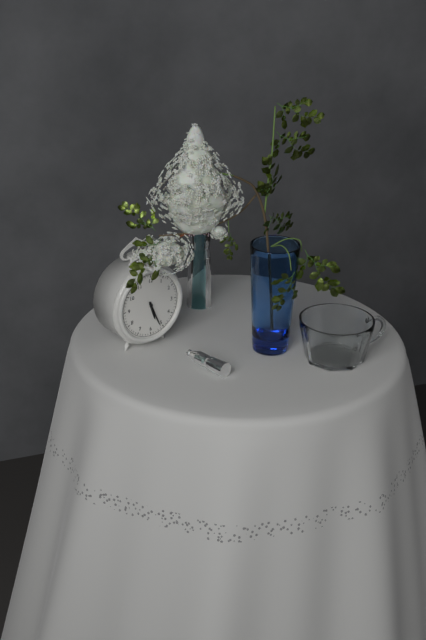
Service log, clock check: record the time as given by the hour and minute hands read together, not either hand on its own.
5:26
